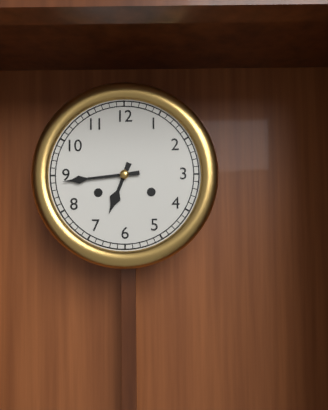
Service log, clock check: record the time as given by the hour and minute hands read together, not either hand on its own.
6:44
